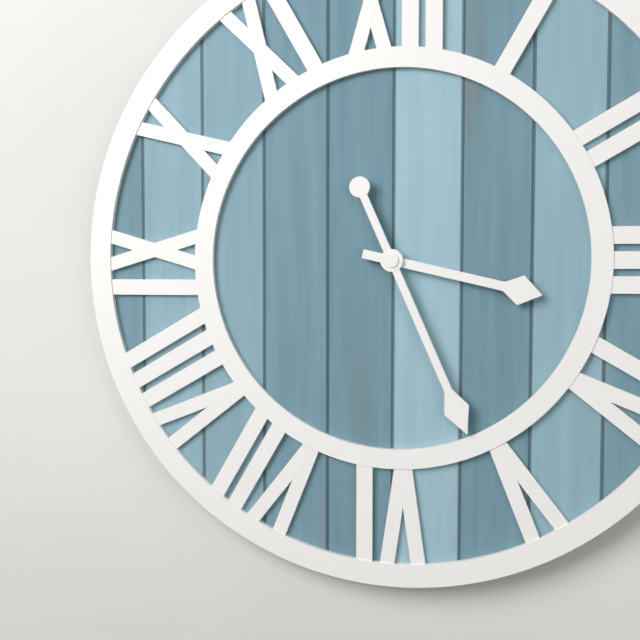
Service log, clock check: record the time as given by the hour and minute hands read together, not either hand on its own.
3:26
